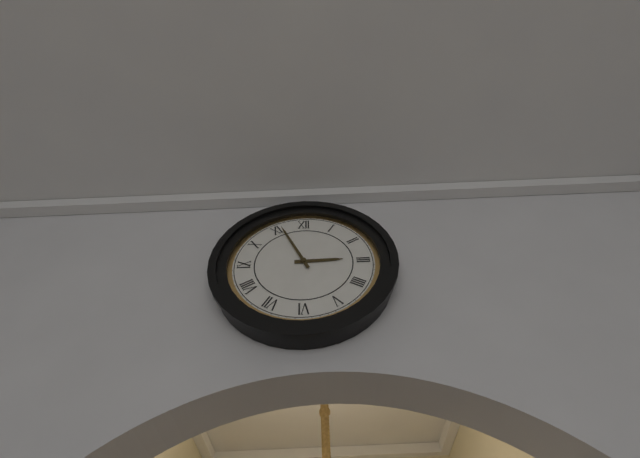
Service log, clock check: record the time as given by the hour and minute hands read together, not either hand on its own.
2:56
